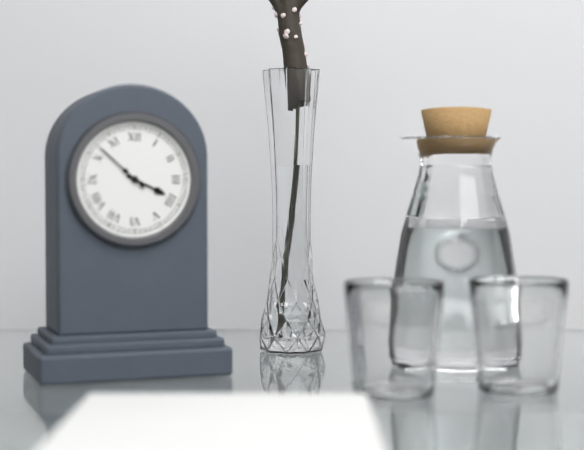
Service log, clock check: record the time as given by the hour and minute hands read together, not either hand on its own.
3:52
